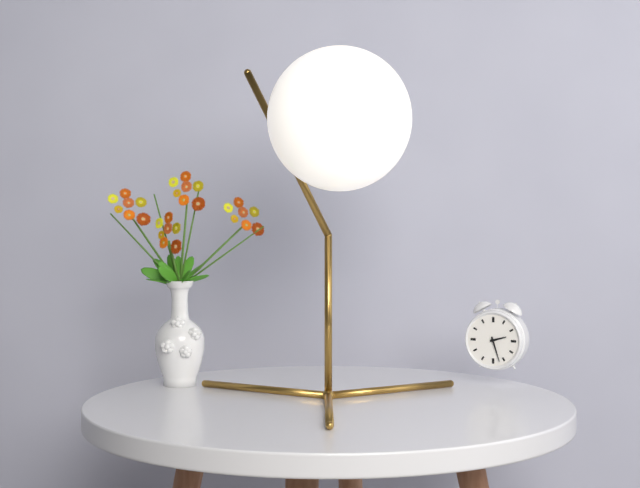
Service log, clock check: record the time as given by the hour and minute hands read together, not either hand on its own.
2:27
